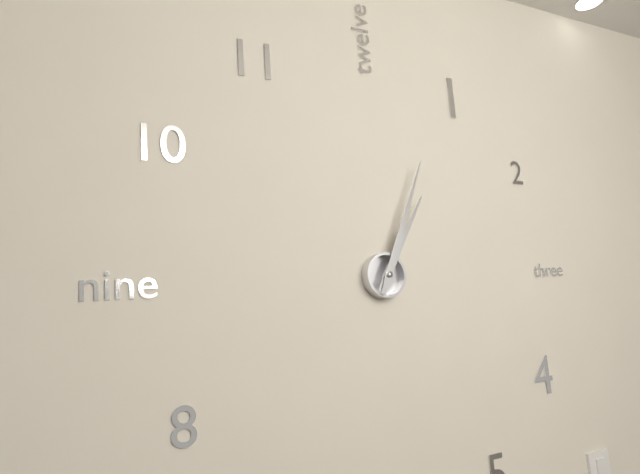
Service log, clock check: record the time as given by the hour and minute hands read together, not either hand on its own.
1:04
